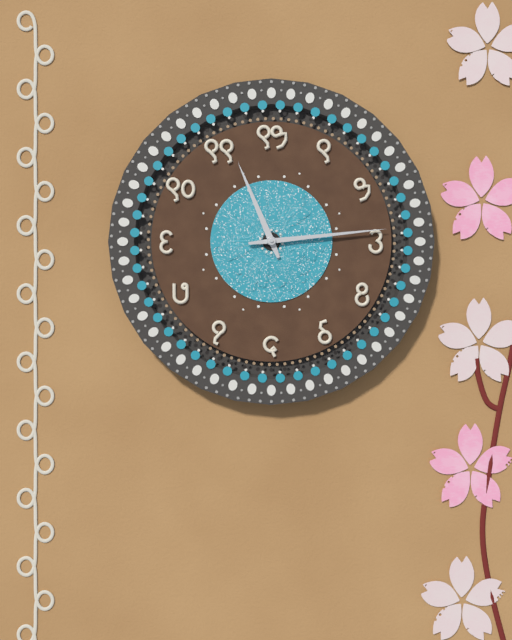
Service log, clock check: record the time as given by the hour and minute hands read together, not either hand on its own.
11:14
